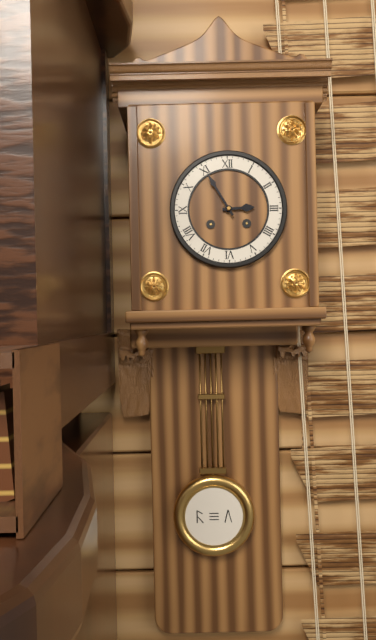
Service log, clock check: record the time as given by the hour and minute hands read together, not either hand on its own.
2:55
